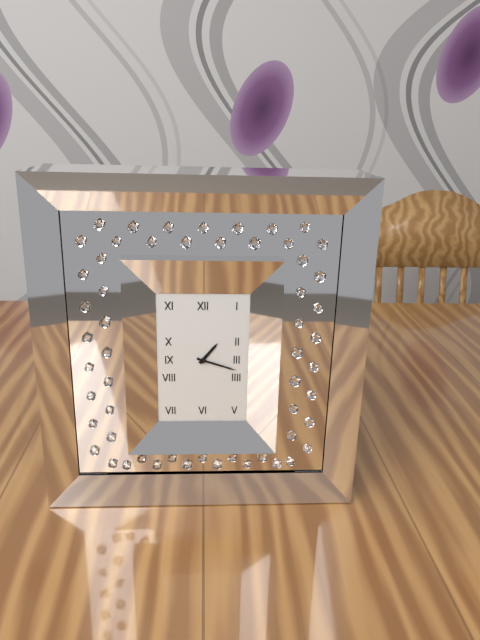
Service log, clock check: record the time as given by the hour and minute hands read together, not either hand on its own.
1:18
